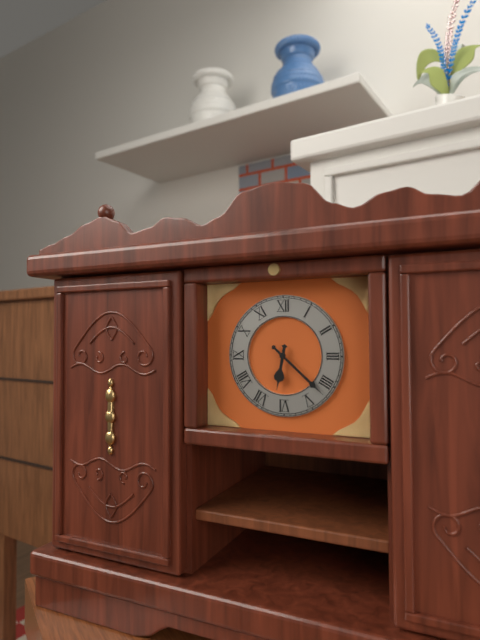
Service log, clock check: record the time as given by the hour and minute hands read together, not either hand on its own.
6:22
